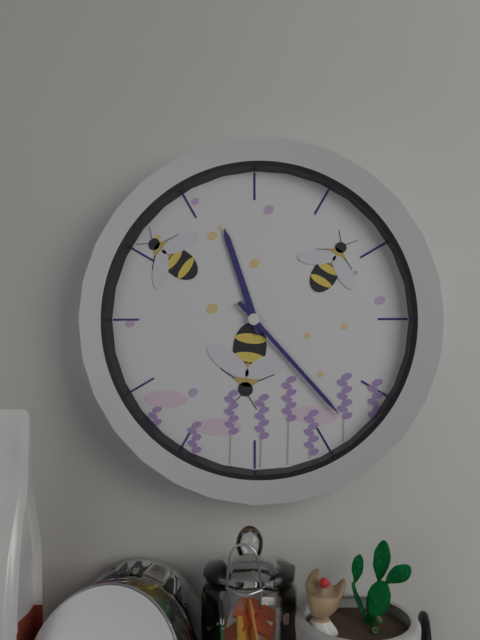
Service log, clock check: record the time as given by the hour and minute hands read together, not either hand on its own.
11:23
